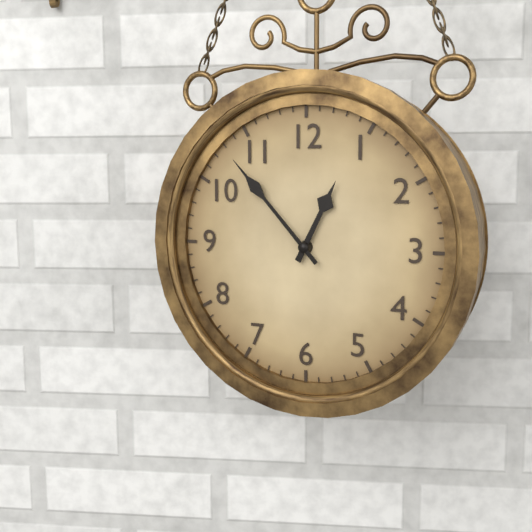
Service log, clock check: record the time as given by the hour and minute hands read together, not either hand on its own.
12:53
